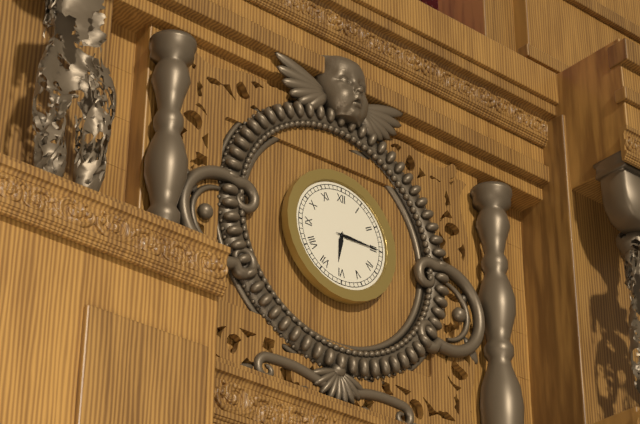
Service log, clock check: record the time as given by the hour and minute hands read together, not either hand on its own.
6:15
